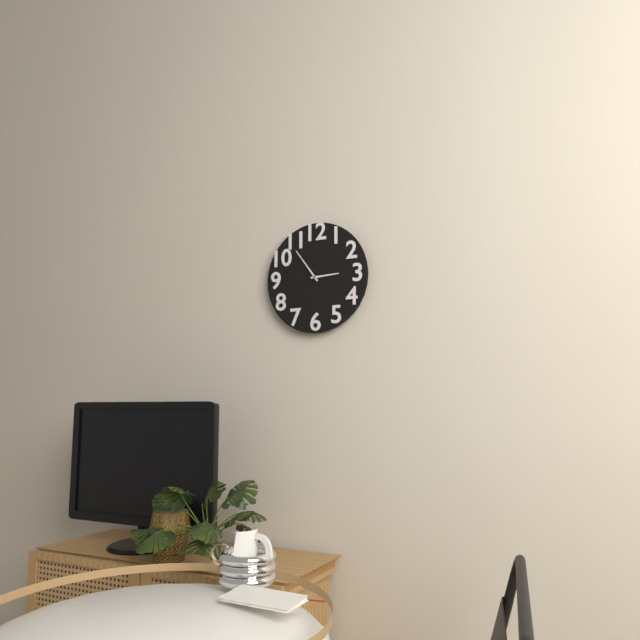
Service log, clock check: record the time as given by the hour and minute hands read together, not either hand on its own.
2:54
